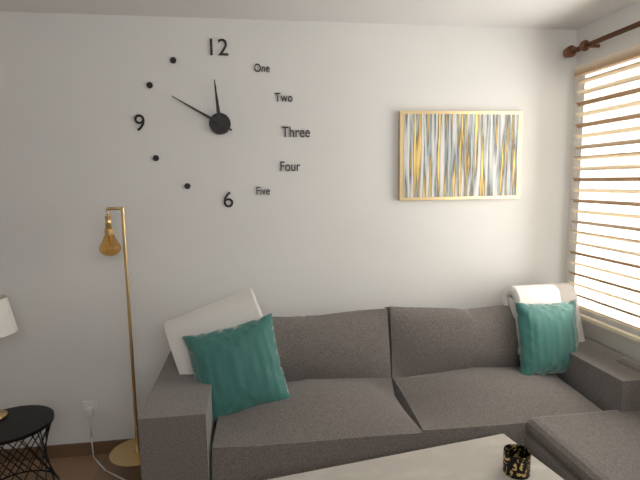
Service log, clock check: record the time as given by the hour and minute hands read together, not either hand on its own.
11:50
